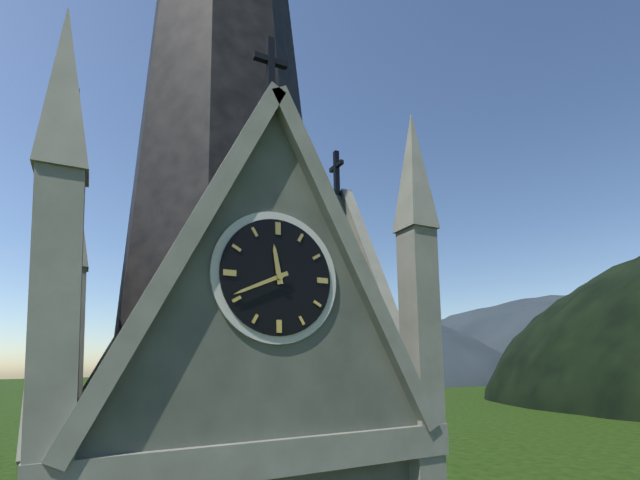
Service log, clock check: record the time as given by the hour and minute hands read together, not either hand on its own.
11:41
